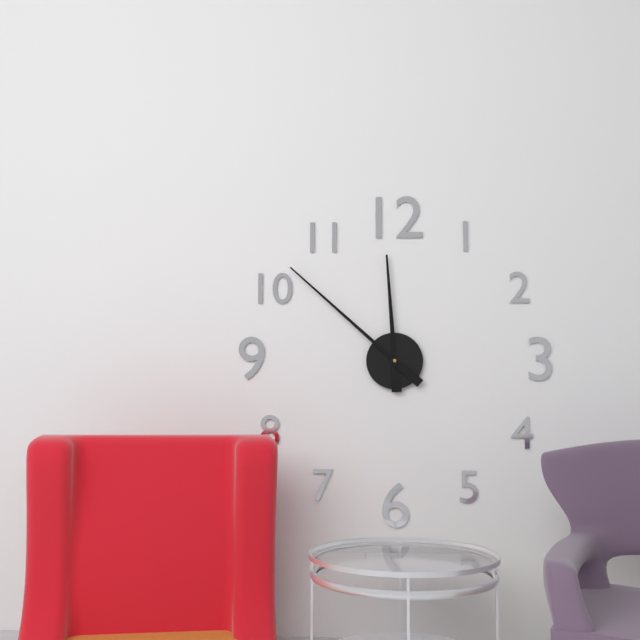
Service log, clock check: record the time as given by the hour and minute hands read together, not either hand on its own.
11:52
